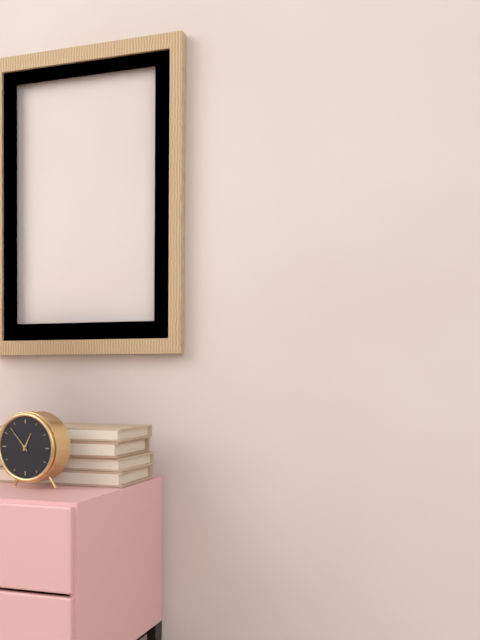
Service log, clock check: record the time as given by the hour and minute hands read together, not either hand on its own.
12:53
